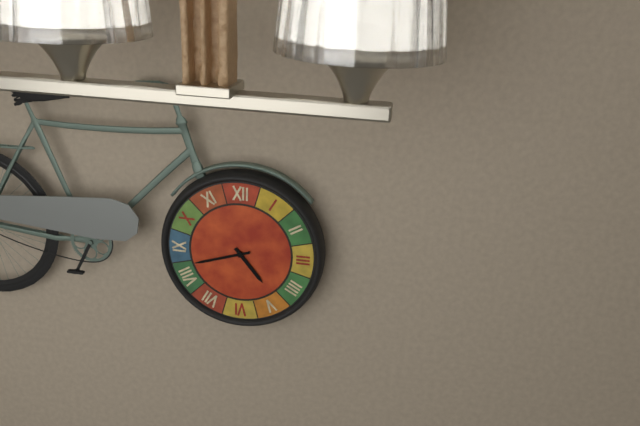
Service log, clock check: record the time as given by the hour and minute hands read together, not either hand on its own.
4:42
